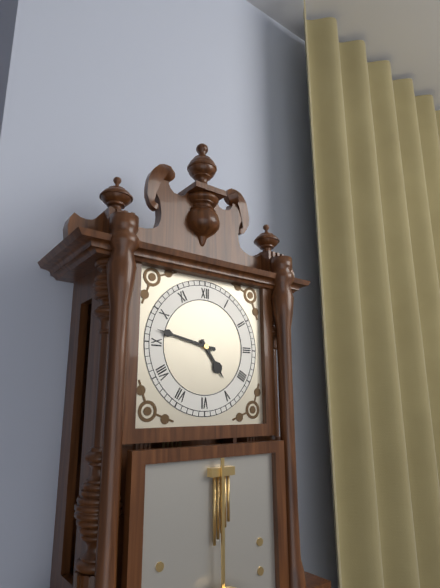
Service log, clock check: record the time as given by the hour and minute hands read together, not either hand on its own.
4:47
